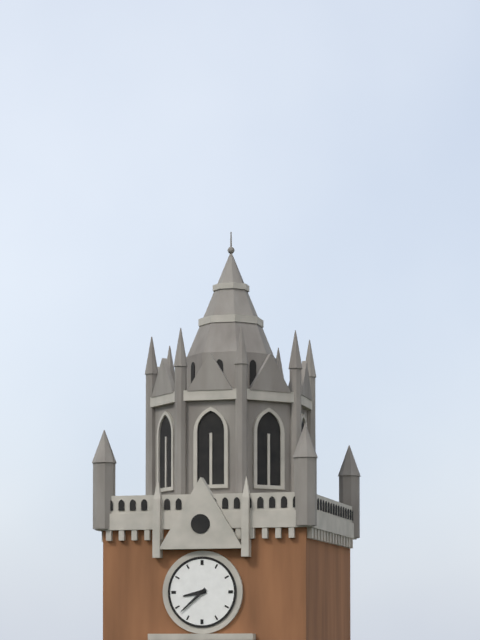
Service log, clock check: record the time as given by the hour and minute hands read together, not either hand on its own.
8:38
